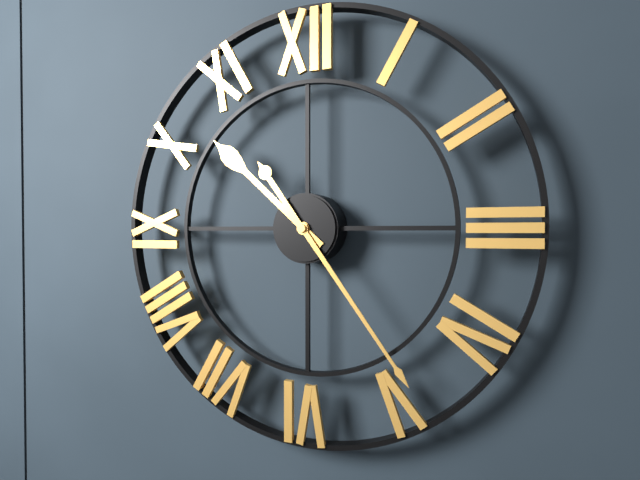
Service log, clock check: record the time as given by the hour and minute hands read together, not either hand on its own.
10:24
